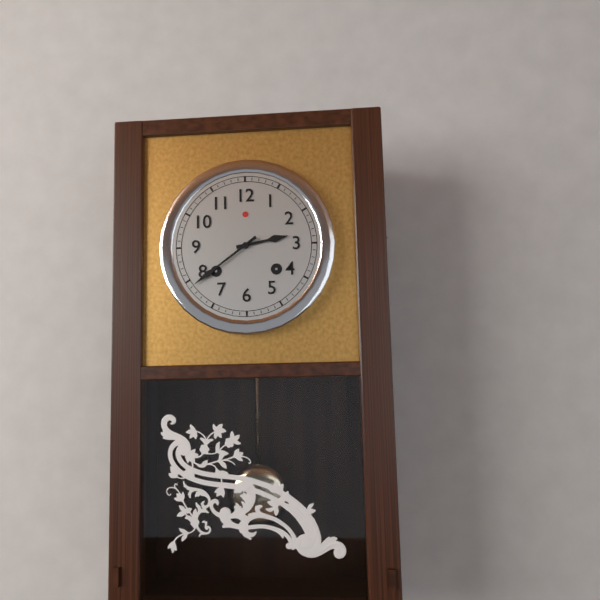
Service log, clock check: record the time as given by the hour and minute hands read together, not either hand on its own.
2:39
